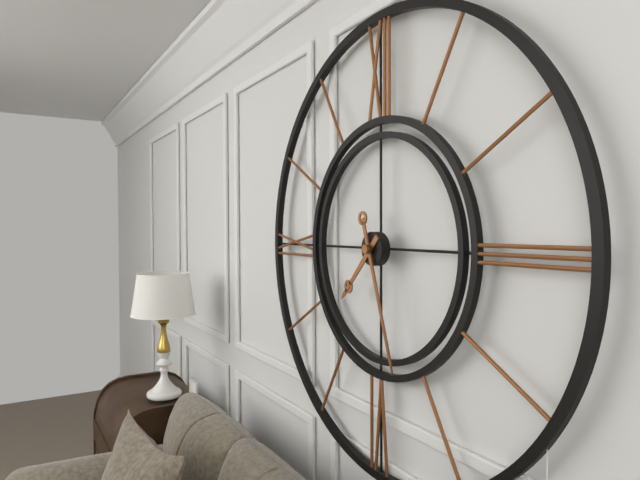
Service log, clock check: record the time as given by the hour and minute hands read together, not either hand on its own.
7:27
